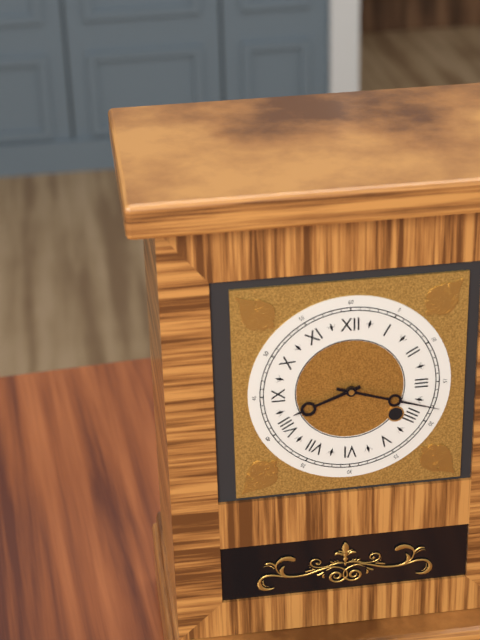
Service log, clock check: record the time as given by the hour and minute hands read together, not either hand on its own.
8:18
